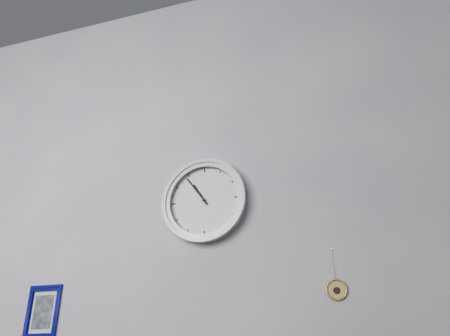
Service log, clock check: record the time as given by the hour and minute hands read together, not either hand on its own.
10:54
